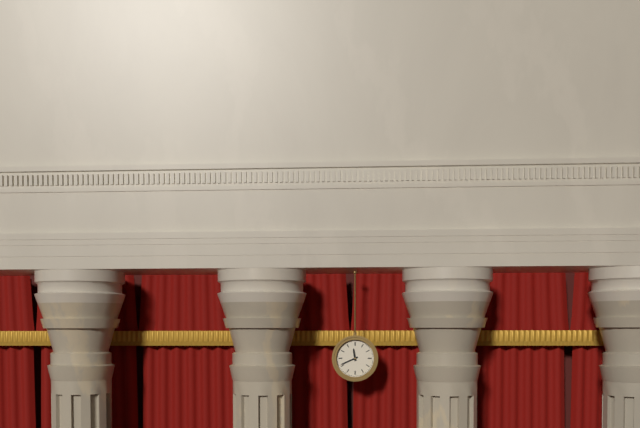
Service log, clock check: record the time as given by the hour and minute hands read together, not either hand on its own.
11:41
